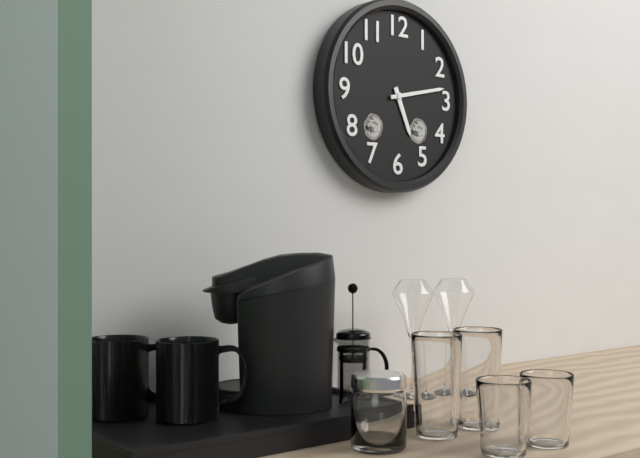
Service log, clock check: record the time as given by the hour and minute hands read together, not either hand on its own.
5:13
